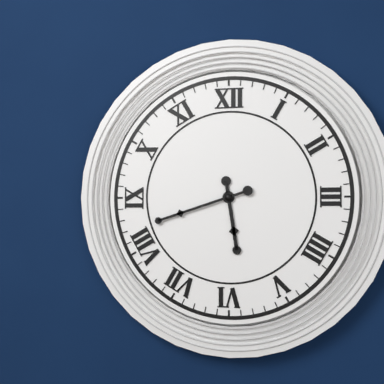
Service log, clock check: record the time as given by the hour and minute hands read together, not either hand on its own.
5:42
